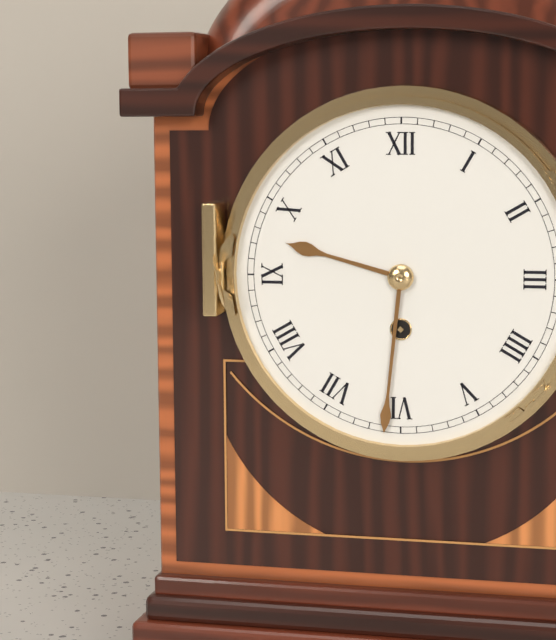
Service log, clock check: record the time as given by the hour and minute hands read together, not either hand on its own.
9:31
